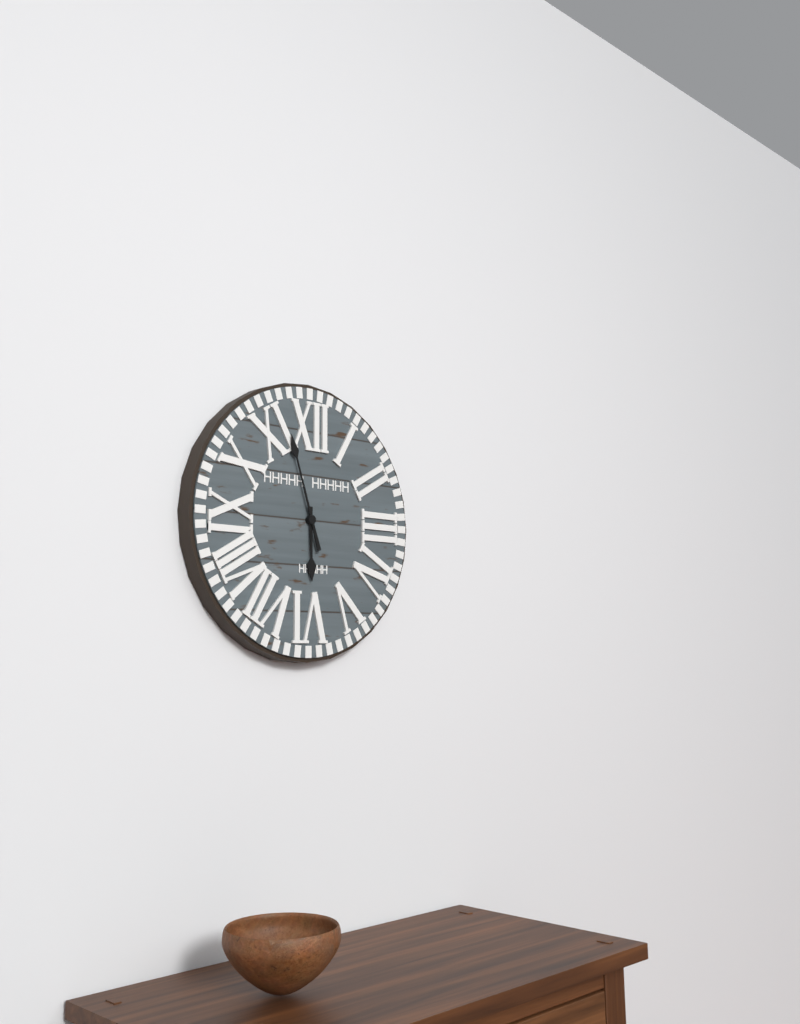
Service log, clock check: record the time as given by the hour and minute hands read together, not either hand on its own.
5:57
